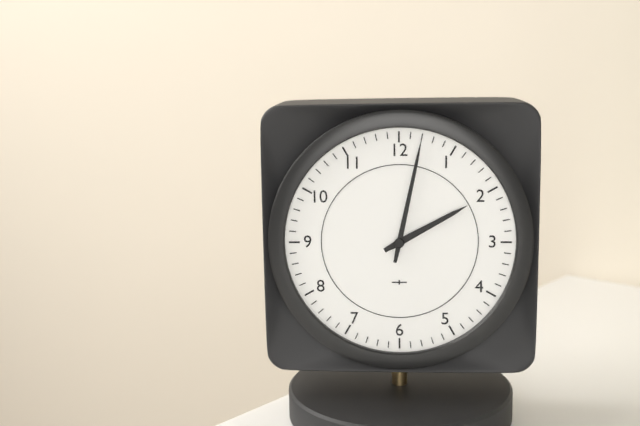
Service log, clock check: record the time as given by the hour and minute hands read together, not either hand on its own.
2:02
